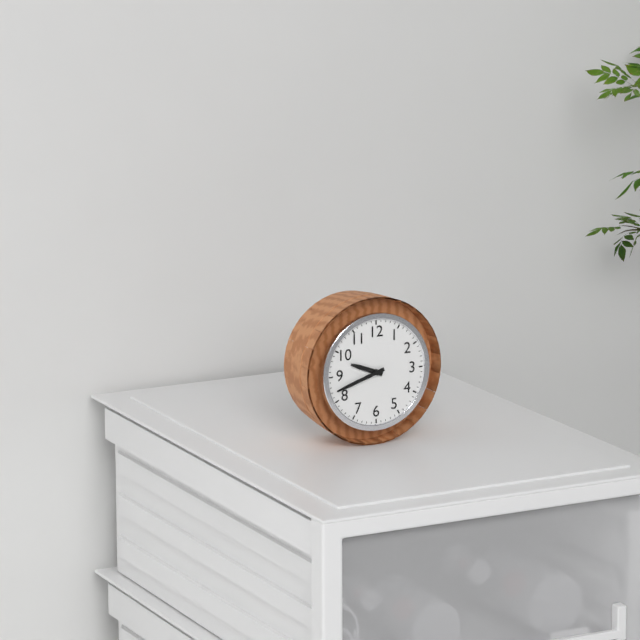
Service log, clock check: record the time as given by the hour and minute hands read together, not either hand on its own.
9:42
